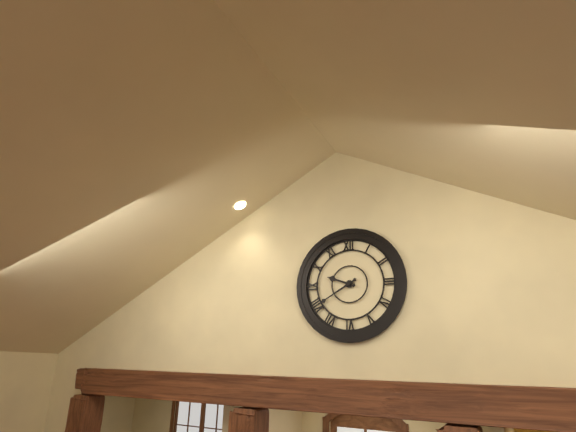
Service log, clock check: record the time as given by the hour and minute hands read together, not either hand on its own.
9:40
